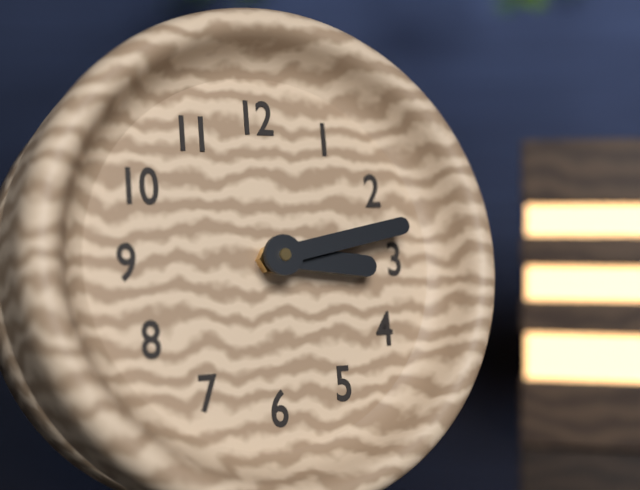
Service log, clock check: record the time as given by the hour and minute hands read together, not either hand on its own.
3:13
